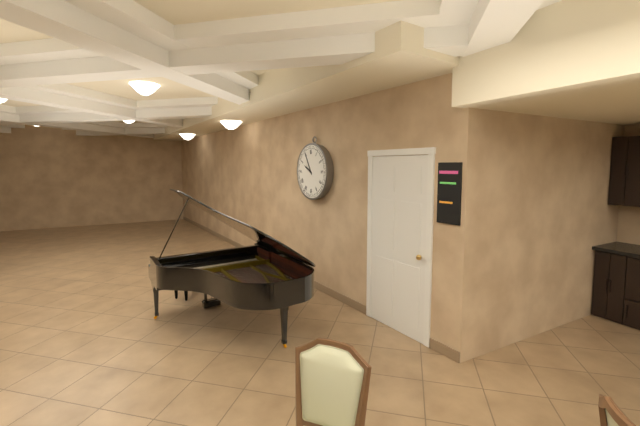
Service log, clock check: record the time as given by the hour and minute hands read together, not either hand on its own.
9:55
